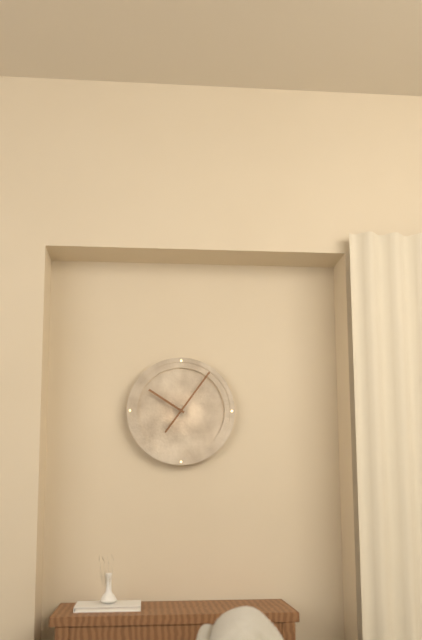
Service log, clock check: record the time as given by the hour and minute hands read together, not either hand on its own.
10:06
